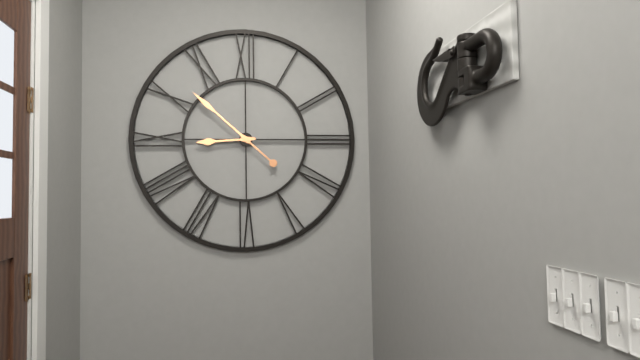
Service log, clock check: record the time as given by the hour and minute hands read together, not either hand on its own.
8:52
